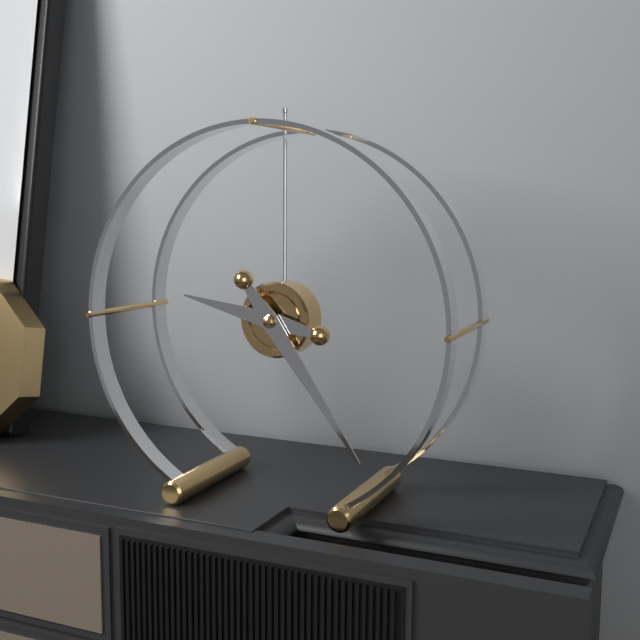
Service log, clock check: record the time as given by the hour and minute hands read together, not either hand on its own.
9:24
